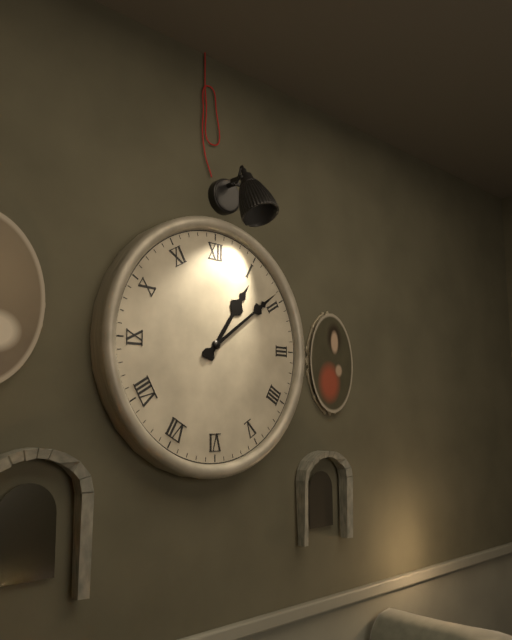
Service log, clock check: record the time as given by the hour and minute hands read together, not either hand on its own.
1:09
